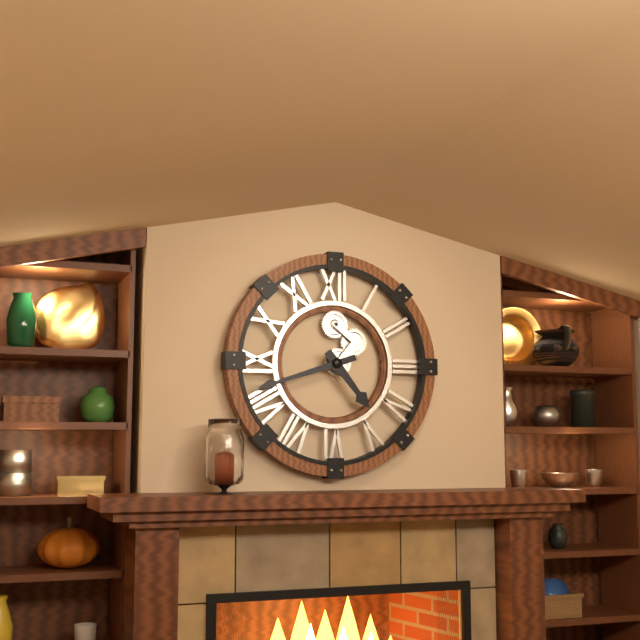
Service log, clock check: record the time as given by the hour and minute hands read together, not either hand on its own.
4:42
